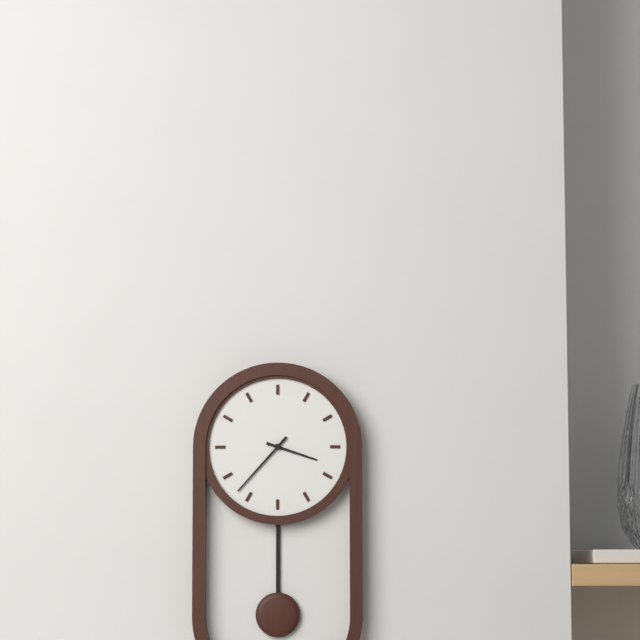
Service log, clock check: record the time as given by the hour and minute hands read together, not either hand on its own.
3:37
